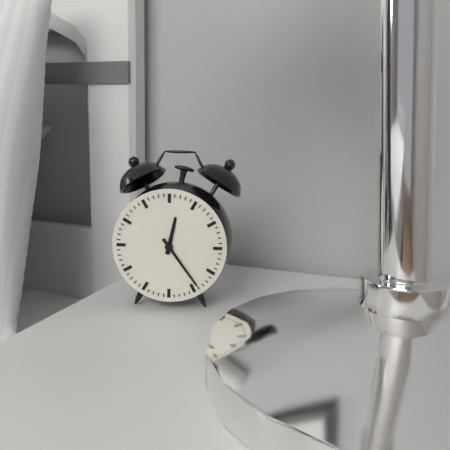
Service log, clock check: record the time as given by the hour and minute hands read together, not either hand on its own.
12:24
